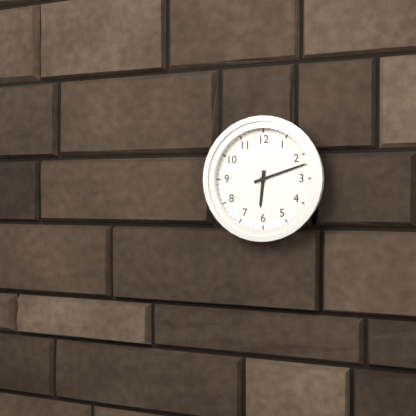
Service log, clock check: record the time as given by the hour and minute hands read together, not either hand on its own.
6:12
